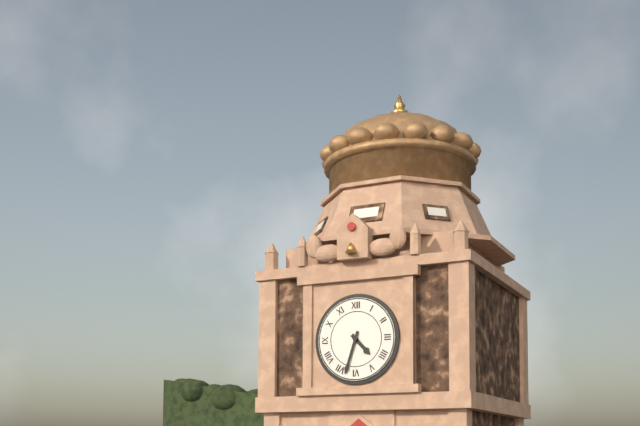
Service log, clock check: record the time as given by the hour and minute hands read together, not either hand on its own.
4:33
